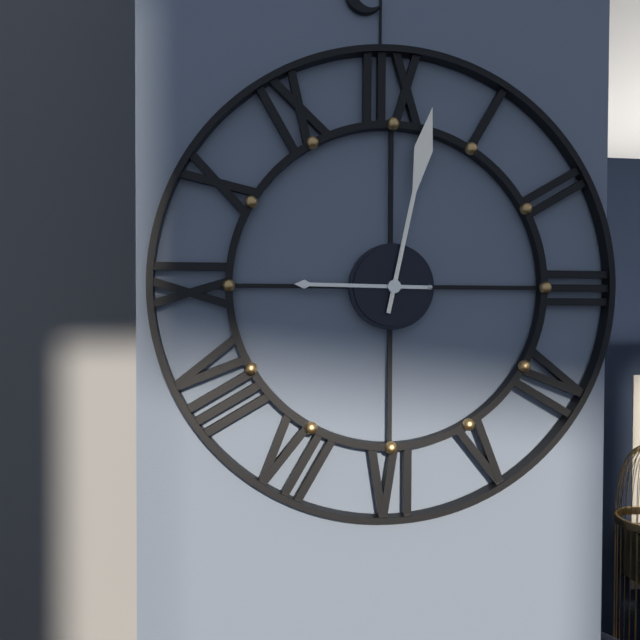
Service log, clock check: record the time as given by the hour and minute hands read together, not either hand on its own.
9:02
